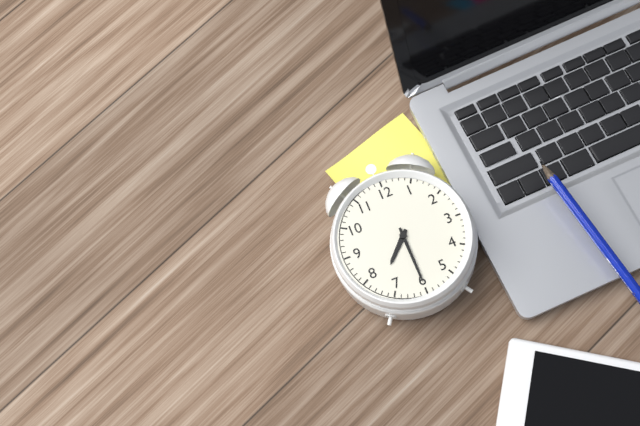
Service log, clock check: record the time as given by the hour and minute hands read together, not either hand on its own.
7:30
